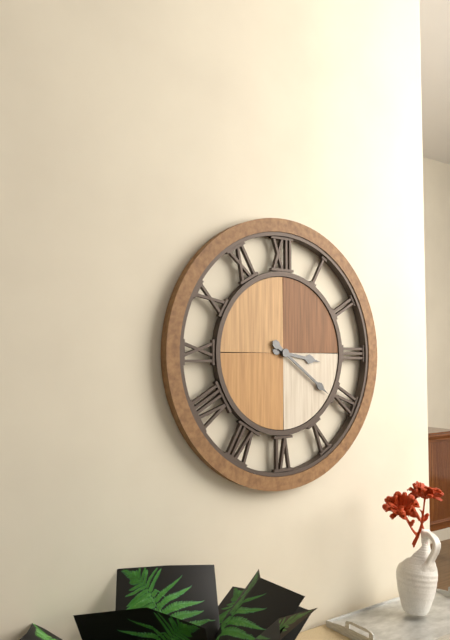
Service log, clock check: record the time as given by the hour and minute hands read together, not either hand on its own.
3:21
